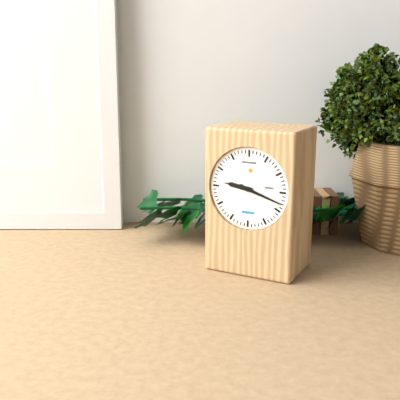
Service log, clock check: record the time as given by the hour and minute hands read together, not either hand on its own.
9:18
